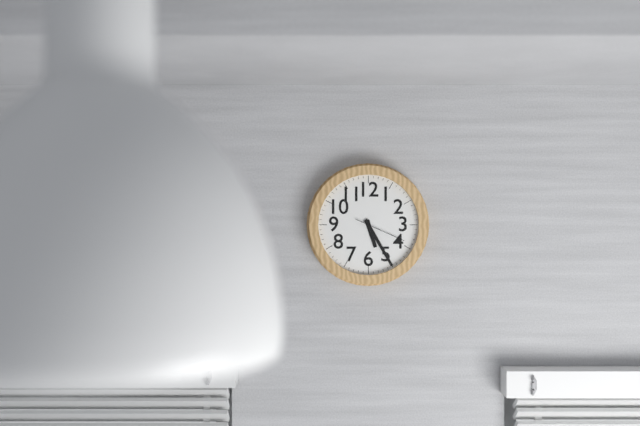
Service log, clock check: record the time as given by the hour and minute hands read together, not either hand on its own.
5:25
